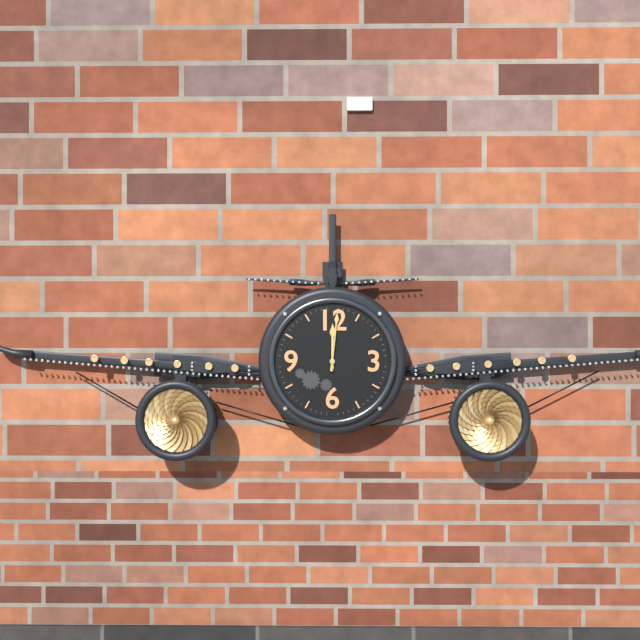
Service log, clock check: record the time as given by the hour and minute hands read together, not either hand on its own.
12:01
